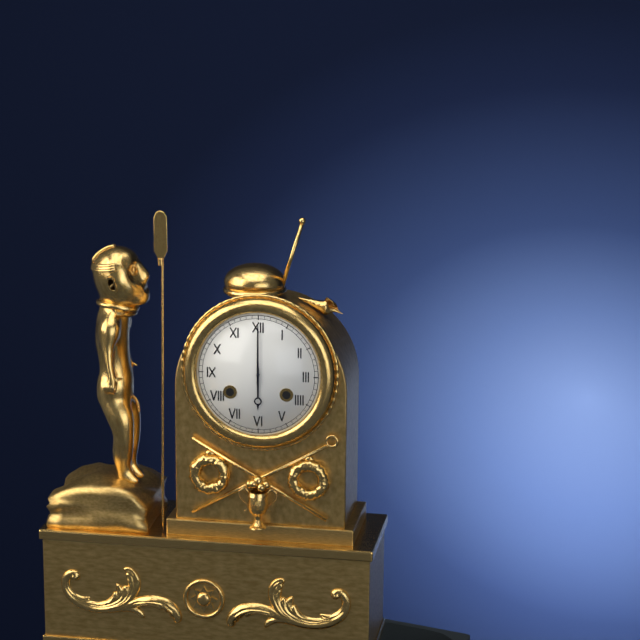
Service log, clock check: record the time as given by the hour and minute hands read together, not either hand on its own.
6:00
